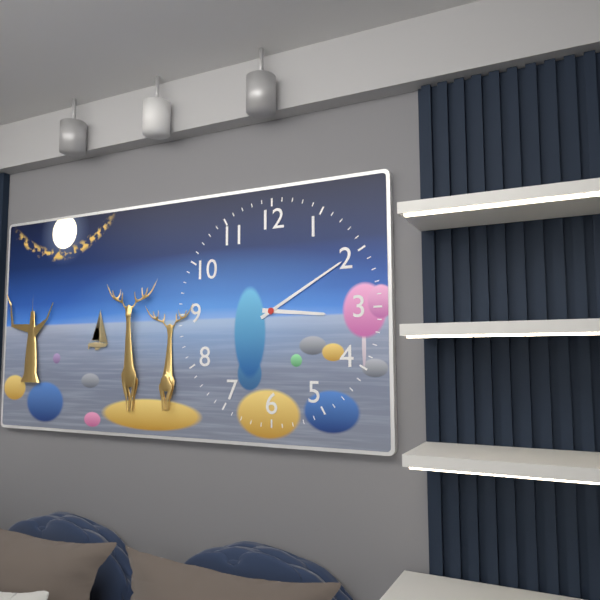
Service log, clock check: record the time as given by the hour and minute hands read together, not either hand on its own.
3:10
